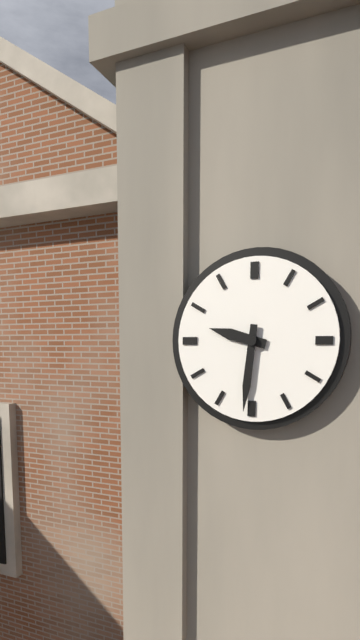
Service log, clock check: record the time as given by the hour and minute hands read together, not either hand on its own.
9:31
